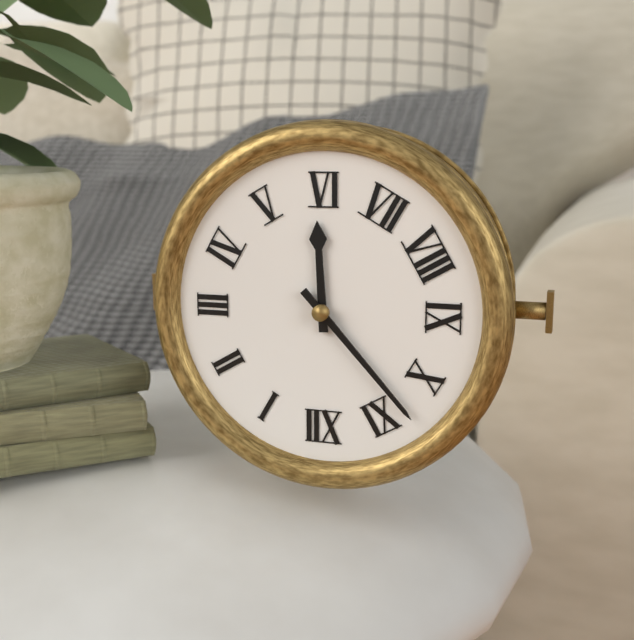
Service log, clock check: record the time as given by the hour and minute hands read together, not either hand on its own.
5:53
